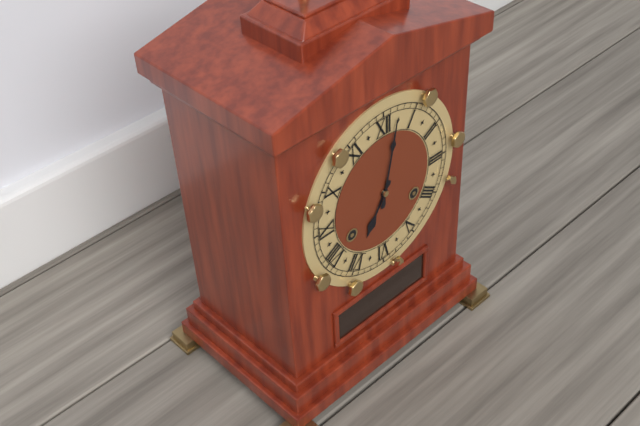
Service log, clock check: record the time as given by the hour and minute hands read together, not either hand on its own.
7:02
